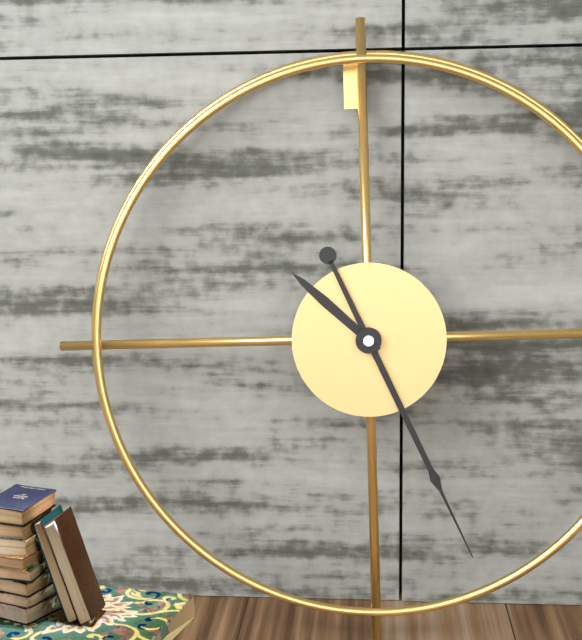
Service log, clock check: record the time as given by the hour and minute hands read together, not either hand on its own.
10:26
